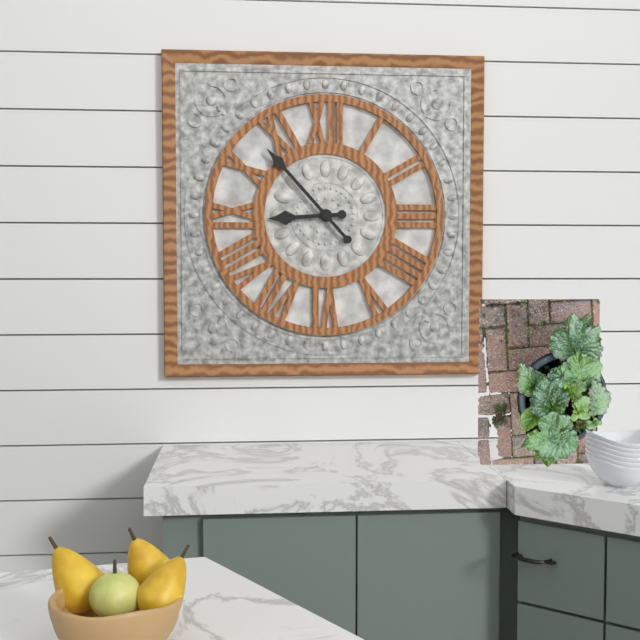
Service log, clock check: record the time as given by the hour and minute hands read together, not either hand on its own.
8:53
